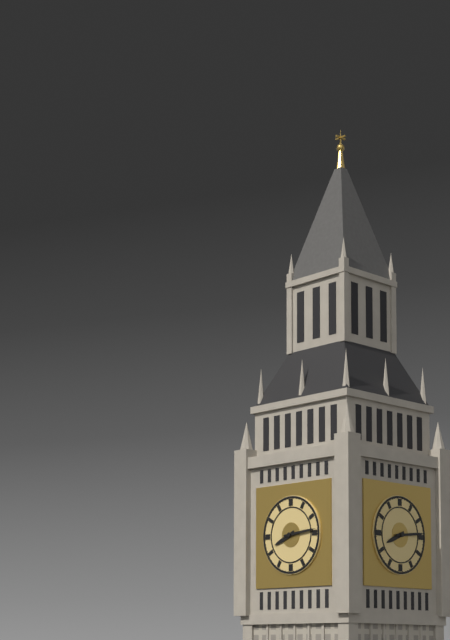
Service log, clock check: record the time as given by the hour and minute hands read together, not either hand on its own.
8:14
